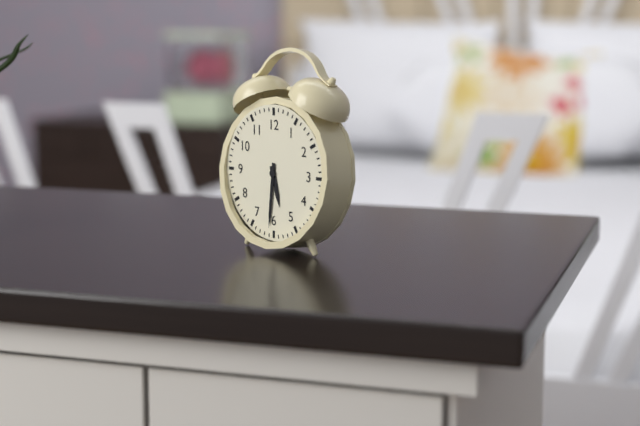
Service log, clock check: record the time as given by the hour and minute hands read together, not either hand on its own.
5:31
